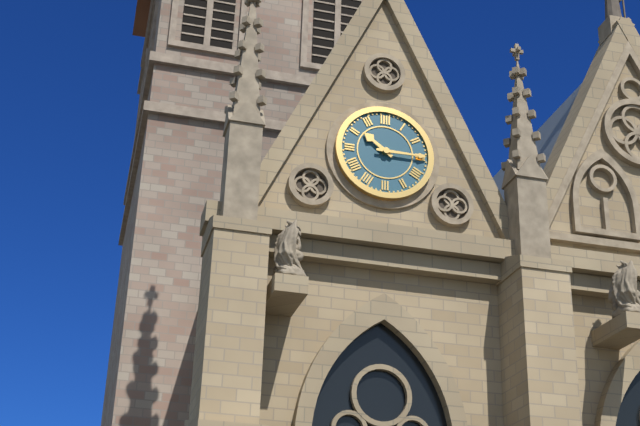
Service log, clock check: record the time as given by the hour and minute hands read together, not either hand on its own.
10:15
